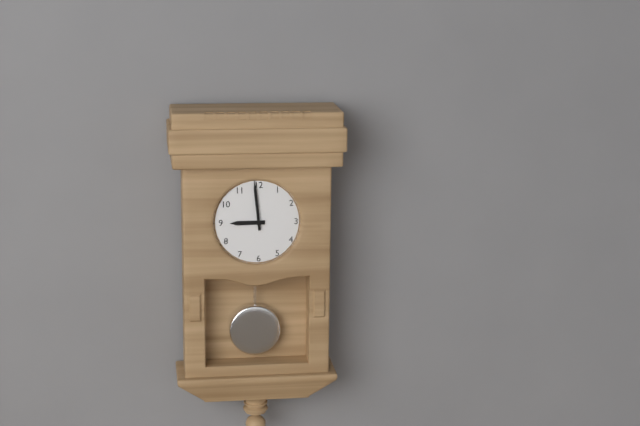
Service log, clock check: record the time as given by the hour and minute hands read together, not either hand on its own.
8:59
